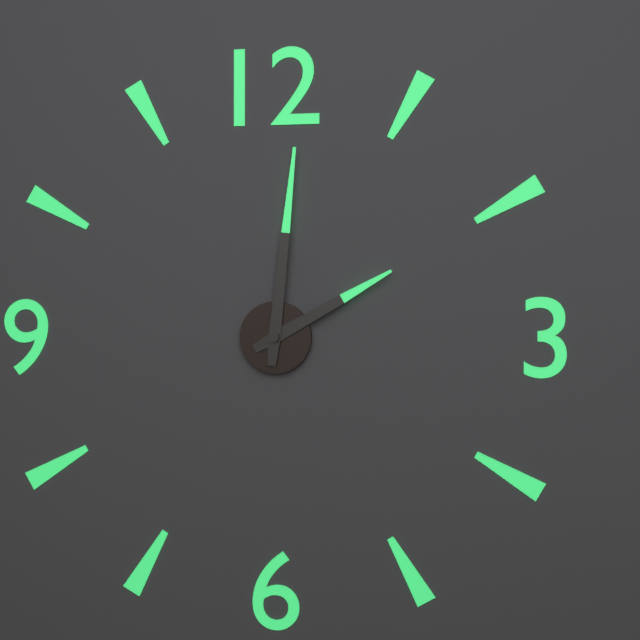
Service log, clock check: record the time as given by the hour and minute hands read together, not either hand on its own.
2:01
